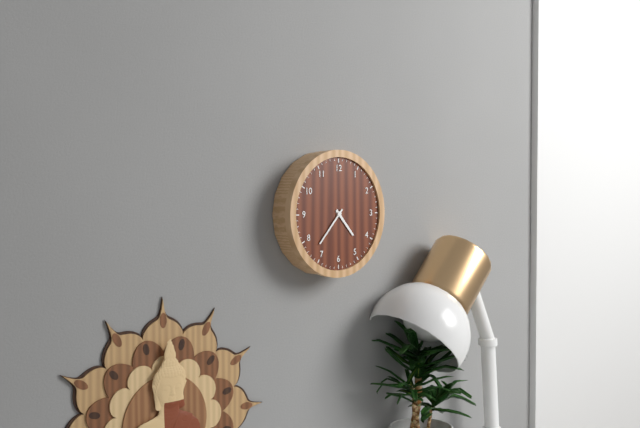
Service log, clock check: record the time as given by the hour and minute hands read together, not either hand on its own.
4:37
